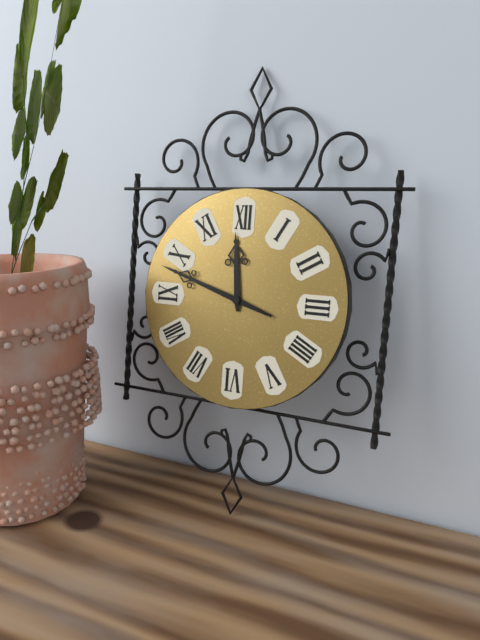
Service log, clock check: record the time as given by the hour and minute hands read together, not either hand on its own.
11:48
